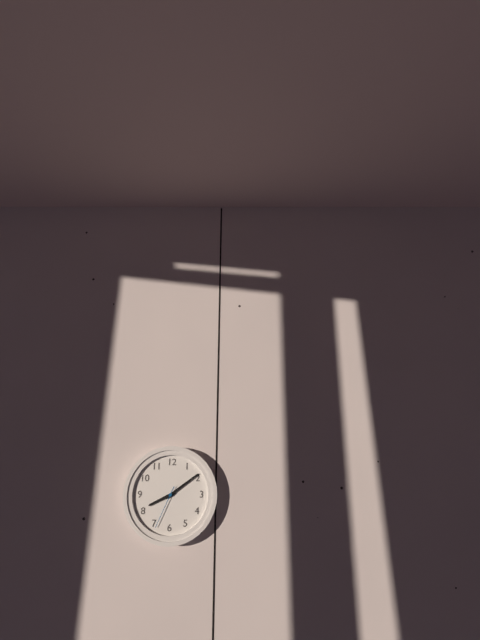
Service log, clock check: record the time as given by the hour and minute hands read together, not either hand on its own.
8:09
